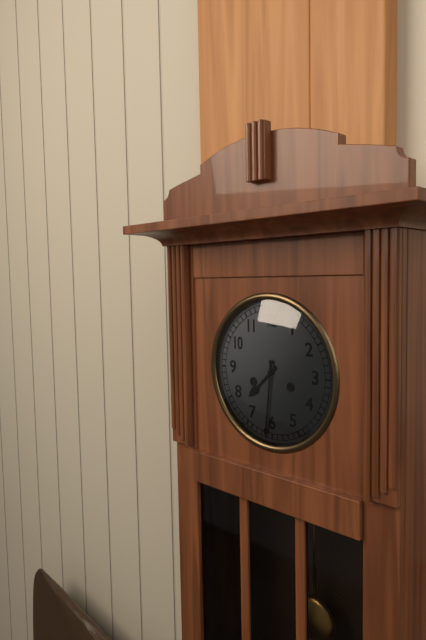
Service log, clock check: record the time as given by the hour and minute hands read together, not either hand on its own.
7:31
